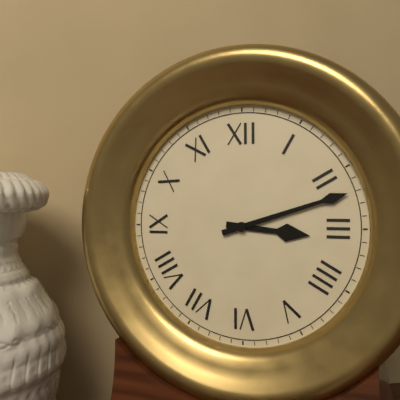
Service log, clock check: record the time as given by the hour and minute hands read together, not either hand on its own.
3:12
